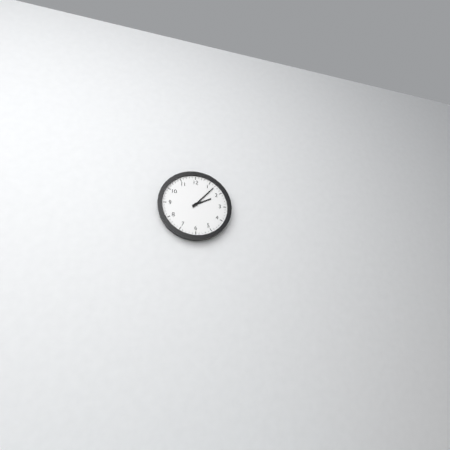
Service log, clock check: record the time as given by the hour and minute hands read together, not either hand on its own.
2:07
